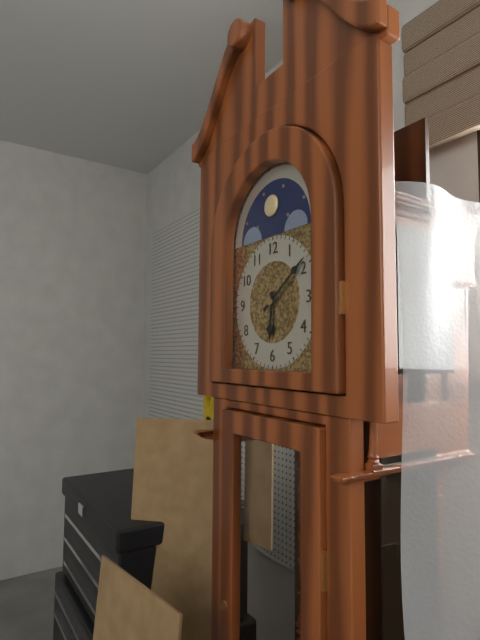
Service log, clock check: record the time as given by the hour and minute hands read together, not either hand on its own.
6:09
